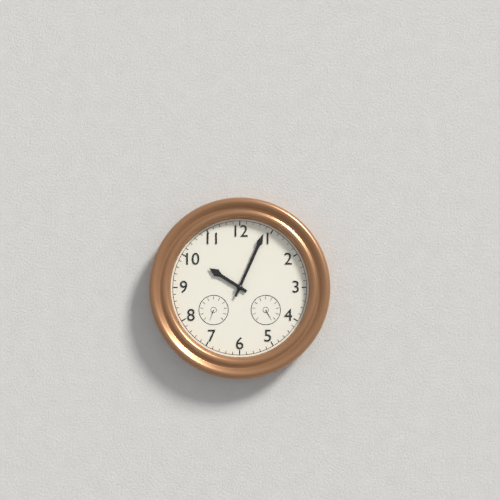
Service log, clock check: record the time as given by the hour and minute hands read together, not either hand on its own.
10:04
